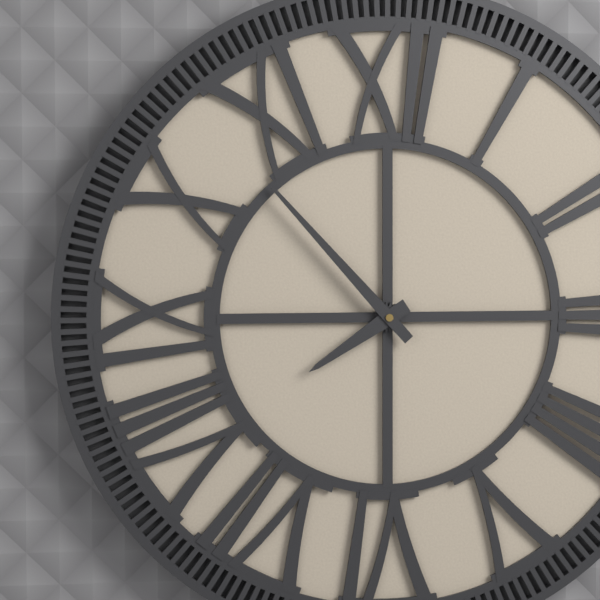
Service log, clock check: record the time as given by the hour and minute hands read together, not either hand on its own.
7:53
